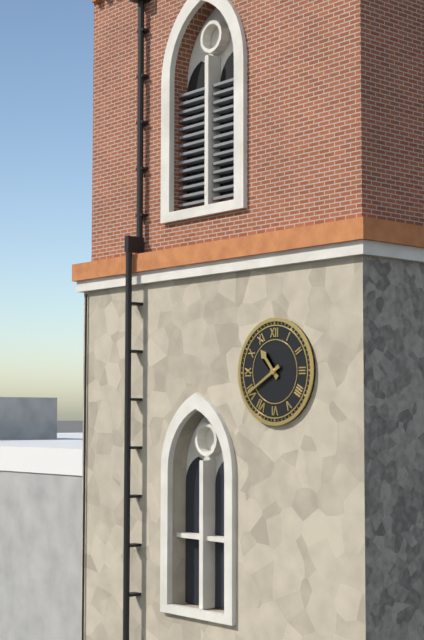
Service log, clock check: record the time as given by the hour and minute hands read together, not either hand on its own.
10:40
